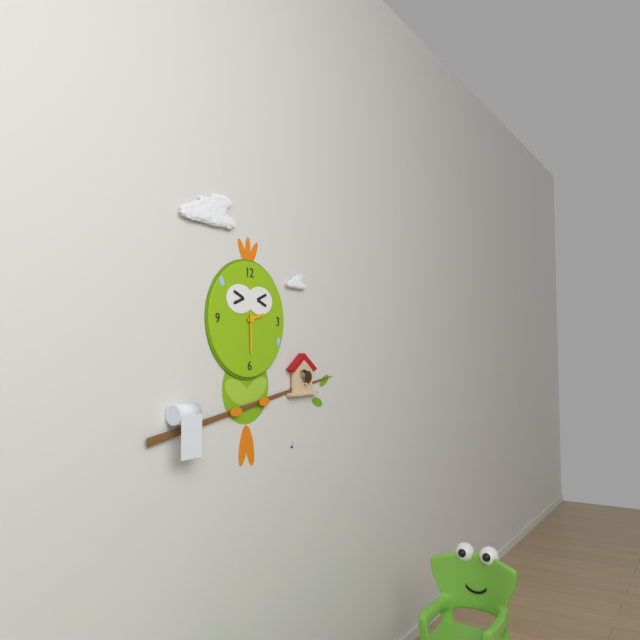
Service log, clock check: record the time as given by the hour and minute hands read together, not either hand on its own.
2:30
